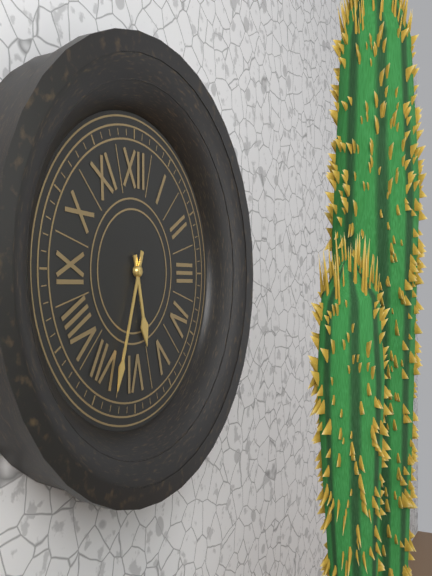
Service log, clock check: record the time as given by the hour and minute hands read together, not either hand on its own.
5:33
